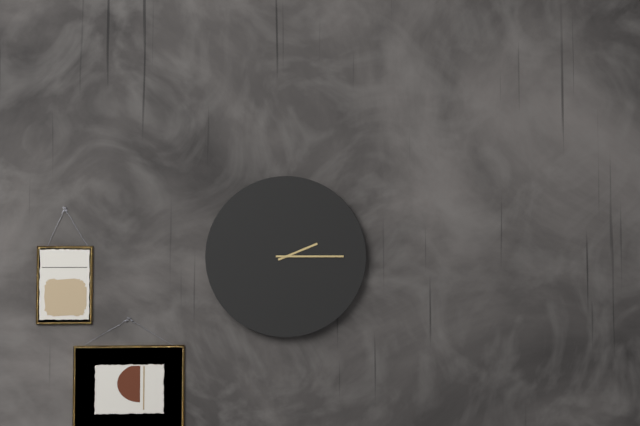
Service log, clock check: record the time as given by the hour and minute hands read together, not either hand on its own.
2:15
